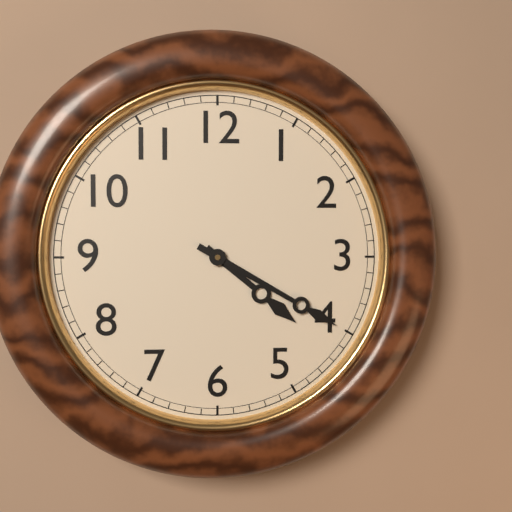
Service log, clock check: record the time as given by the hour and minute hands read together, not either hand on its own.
4:20
